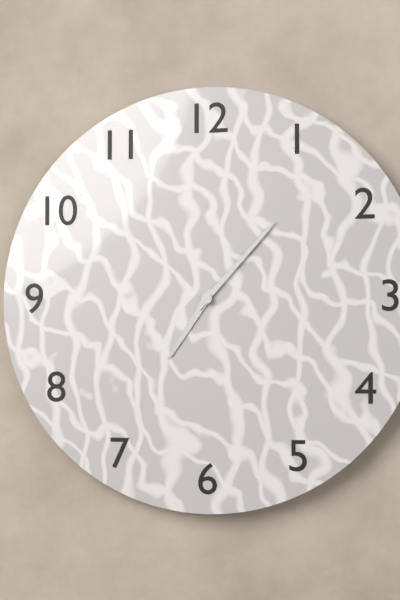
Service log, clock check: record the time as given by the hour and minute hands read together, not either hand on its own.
7:07
